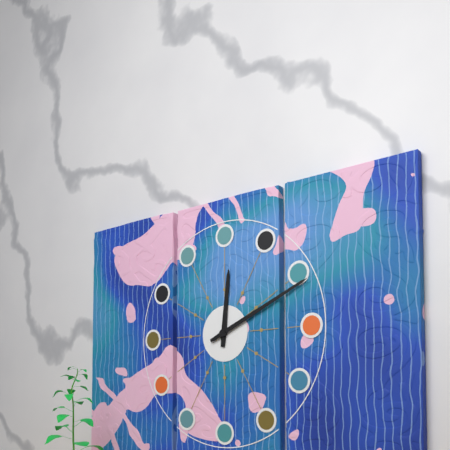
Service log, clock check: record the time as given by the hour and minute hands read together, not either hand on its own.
12:11
